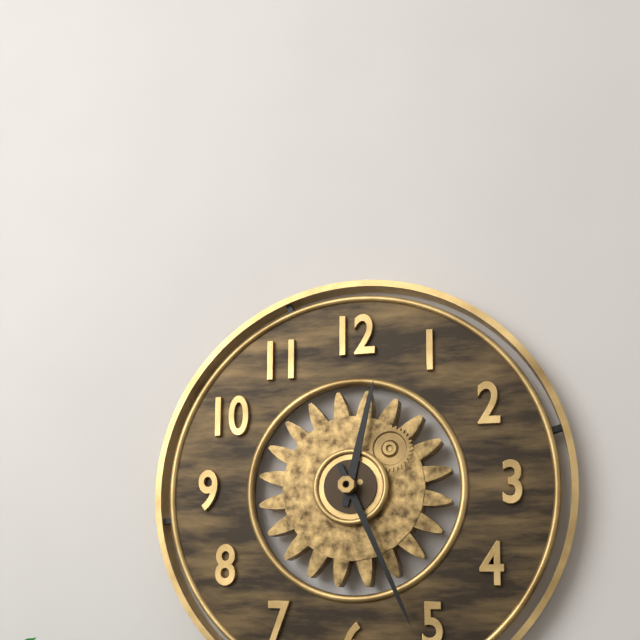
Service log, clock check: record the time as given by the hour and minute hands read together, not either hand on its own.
12:26
